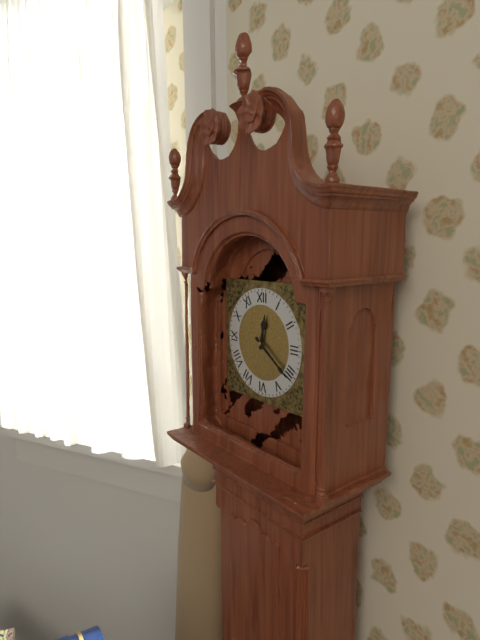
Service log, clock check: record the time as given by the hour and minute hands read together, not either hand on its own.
12:21
